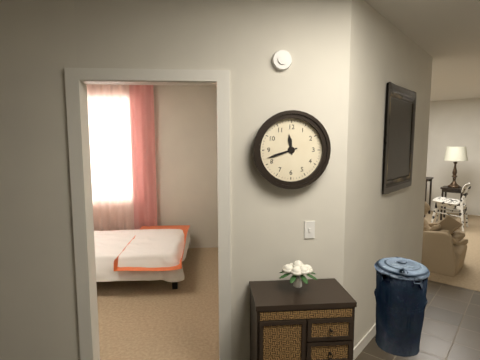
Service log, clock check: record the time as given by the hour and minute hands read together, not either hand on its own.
11:42
